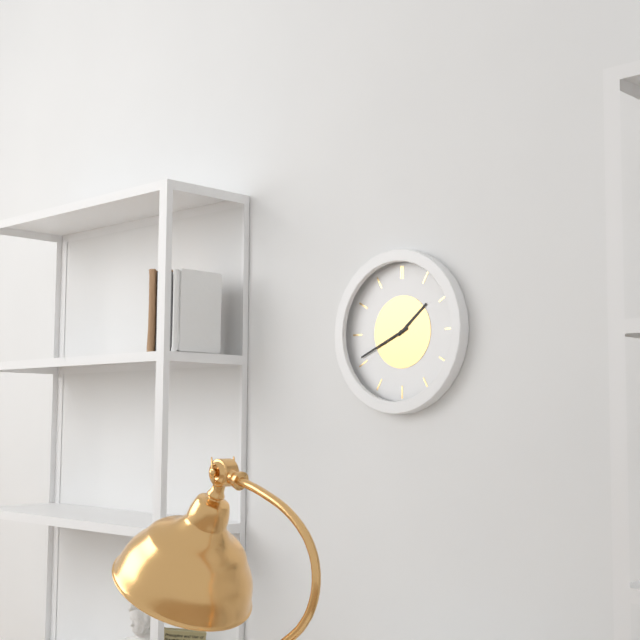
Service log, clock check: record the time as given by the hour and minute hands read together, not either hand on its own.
1:41
